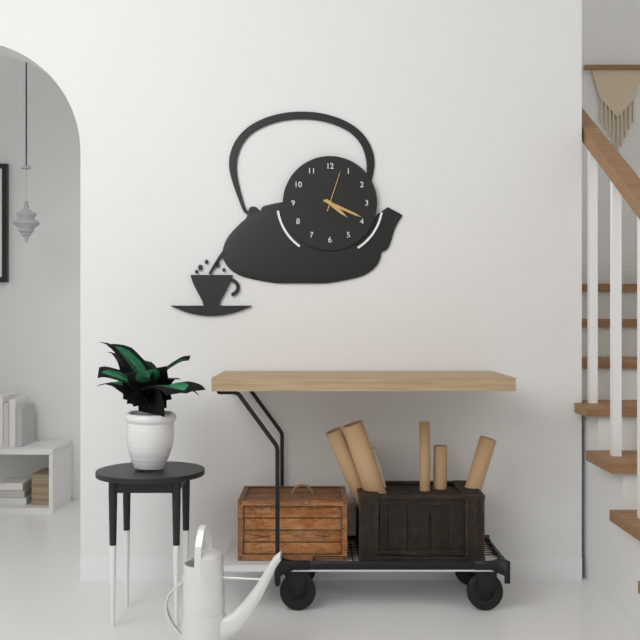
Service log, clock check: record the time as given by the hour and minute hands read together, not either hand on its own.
4:19
